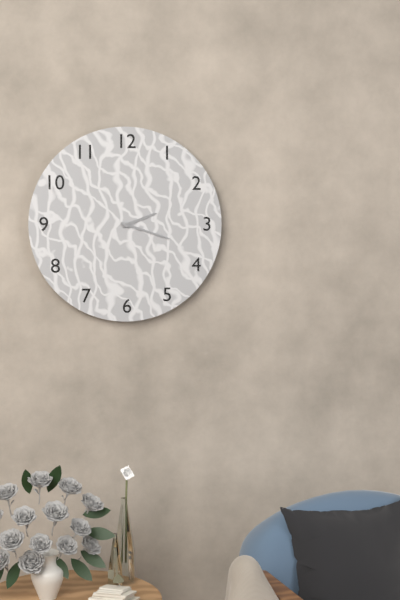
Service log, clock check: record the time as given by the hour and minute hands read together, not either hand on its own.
2:18
